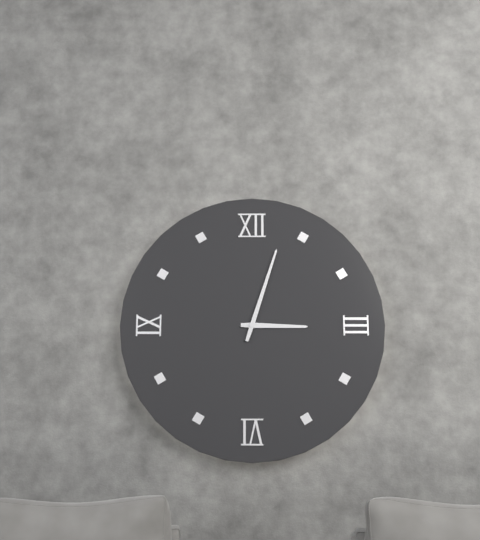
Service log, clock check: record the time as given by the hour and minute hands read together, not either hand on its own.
3:03
